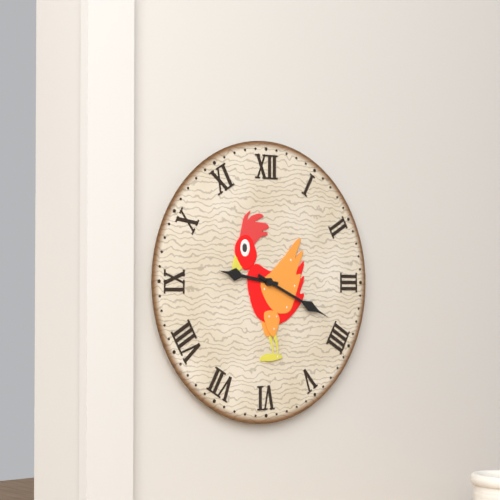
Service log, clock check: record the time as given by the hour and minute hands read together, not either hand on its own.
9:19
